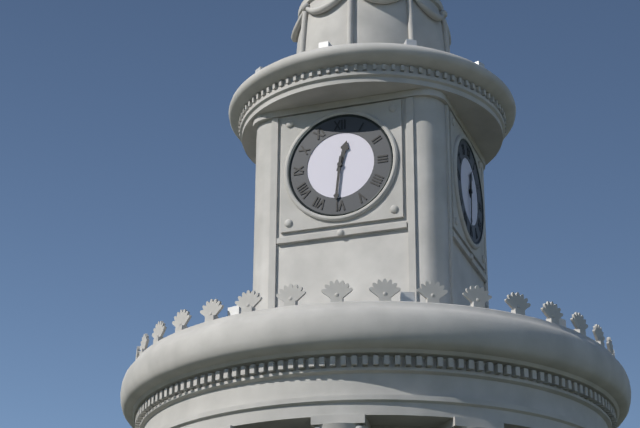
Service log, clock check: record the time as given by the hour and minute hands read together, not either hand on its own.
12:31
